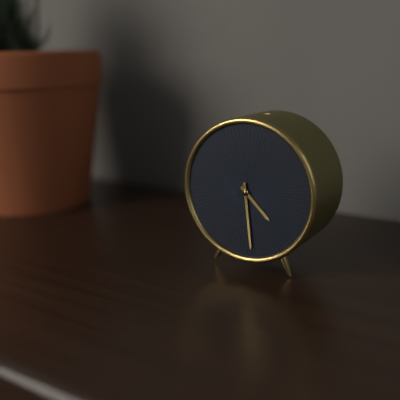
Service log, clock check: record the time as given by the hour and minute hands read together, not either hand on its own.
4:29
